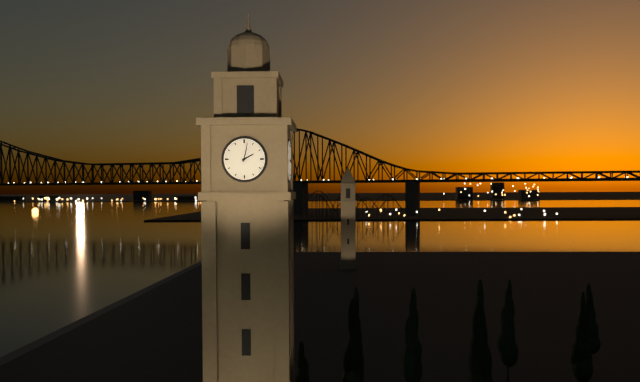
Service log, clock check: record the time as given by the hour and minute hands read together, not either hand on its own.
2:02
